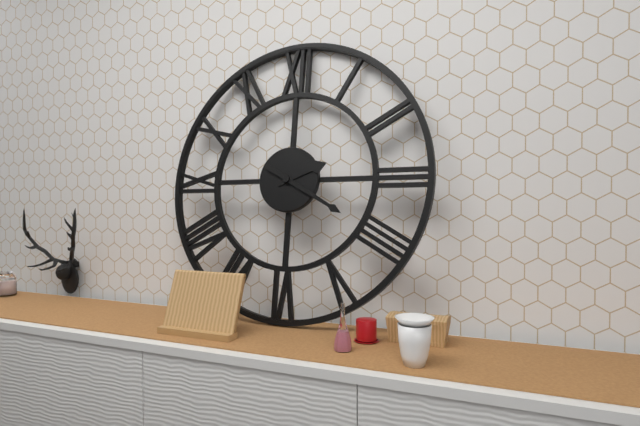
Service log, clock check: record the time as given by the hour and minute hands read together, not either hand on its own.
2:20
